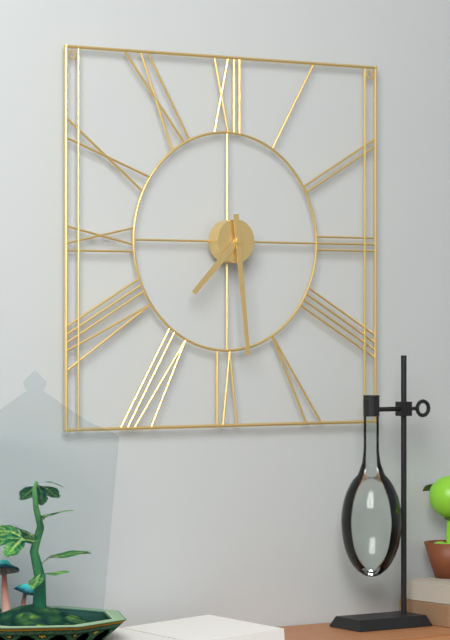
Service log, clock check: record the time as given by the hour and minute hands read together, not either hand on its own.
7:29
